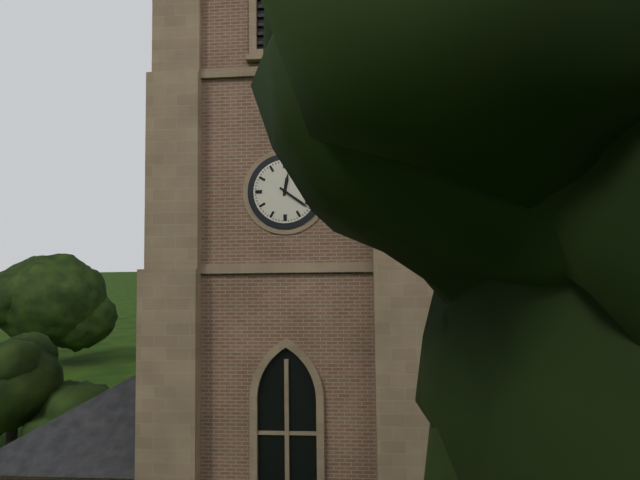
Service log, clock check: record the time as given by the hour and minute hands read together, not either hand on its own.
12:21
